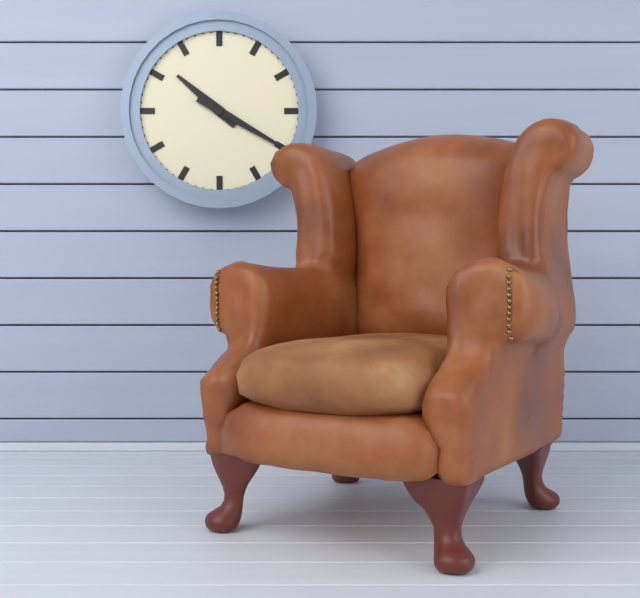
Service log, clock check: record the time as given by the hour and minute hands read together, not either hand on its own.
10:20
